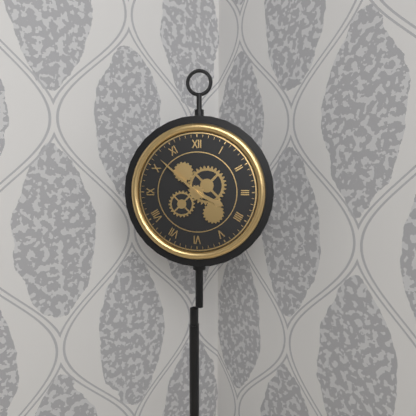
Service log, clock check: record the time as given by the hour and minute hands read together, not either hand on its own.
3:52
